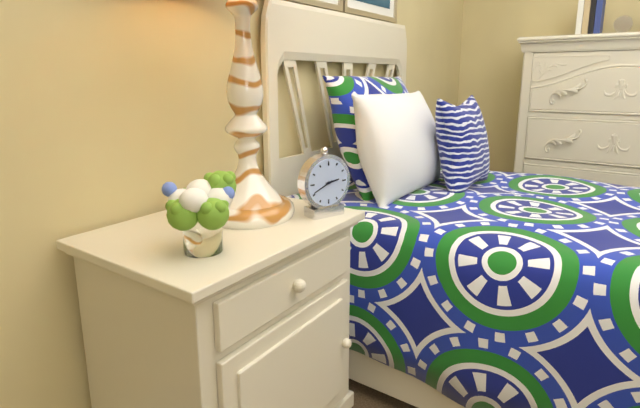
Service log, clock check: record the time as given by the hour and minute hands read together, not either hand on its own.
2:41
